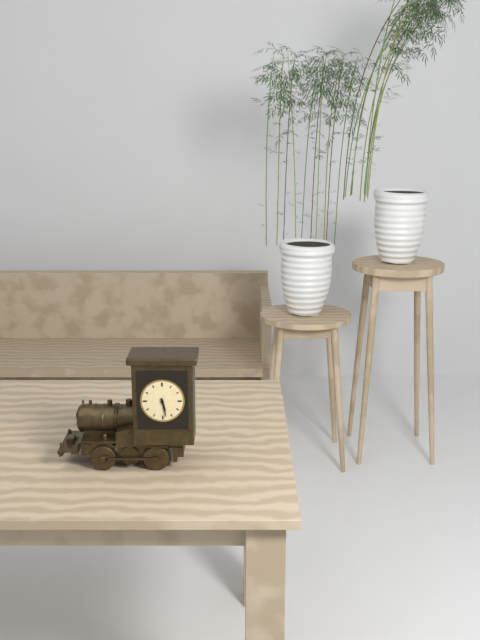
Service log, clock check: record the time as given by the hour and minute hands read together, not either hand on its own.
5:28
